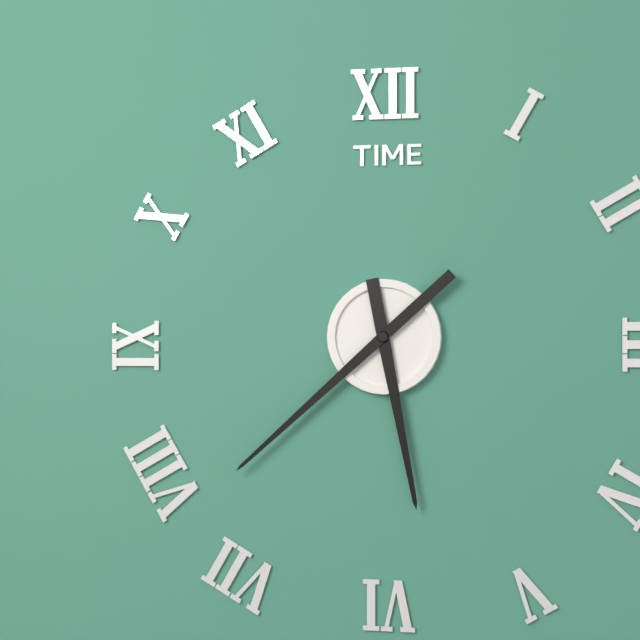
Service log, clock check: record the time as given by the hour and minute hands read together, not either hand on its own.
5:38
